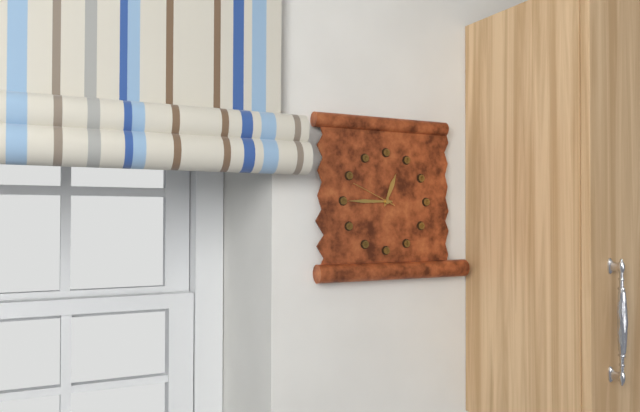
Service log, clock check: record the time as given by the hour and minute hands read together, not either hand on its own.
12:45
